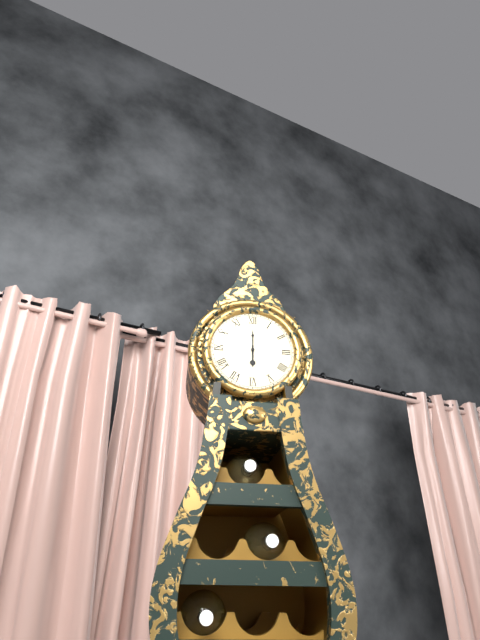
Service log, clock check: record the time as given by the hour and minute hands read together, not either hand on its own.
6:00
